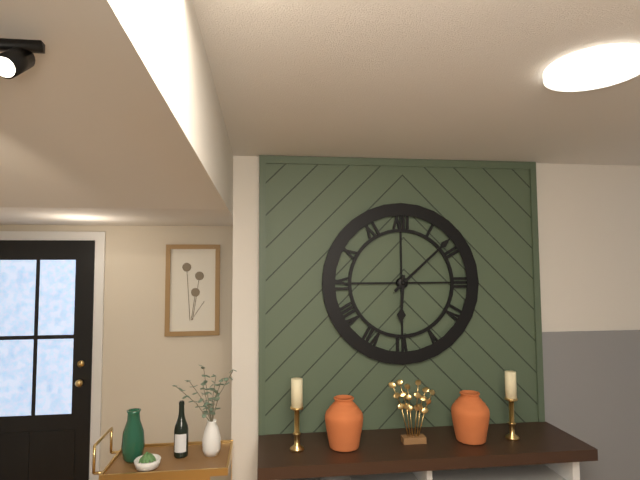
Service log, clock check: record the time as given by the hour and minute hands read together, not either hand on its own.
6:08
